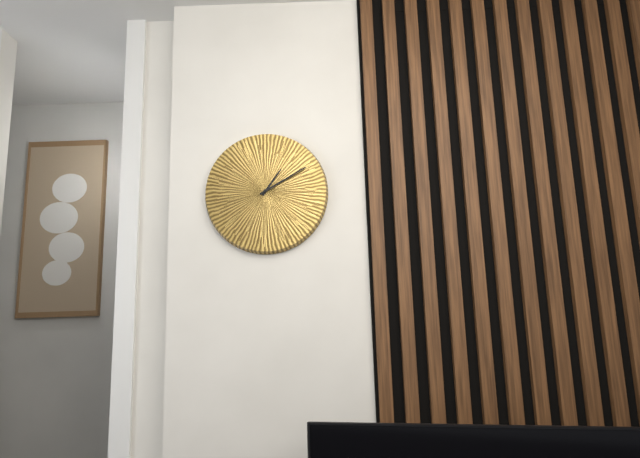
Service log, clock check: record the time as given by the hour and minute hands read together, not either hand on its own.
1:10
